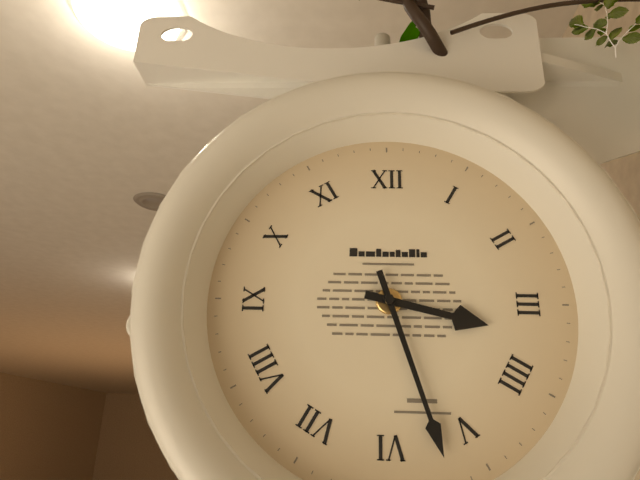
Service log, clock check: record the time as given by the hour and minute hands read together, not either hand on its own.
3:27
